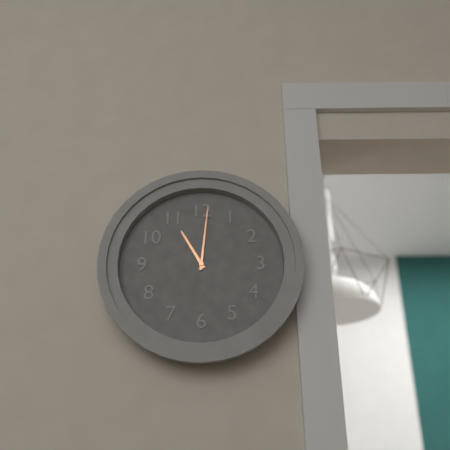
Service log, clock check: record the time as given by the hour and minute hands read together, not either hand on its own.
11:01
